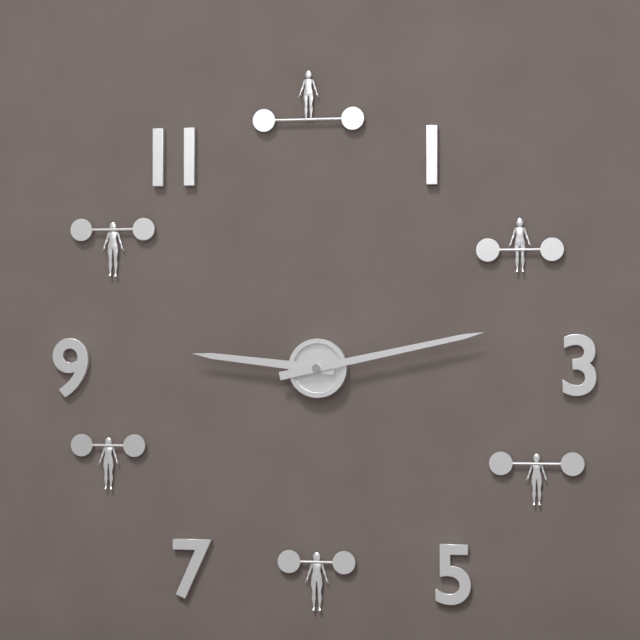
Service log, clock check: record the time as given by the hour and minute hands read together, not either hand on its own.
9:13
